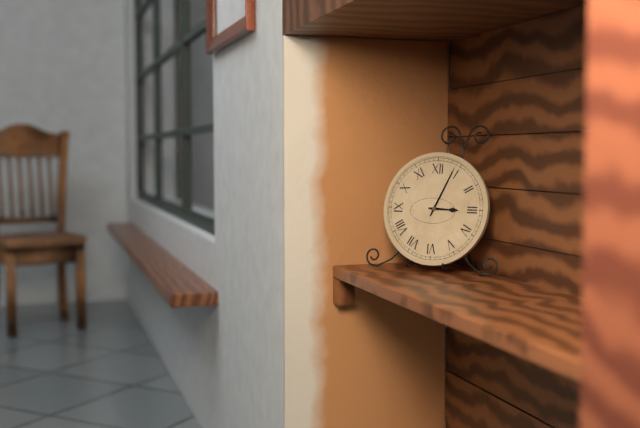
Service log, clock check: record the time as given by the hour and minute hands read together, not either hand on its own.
3:04
